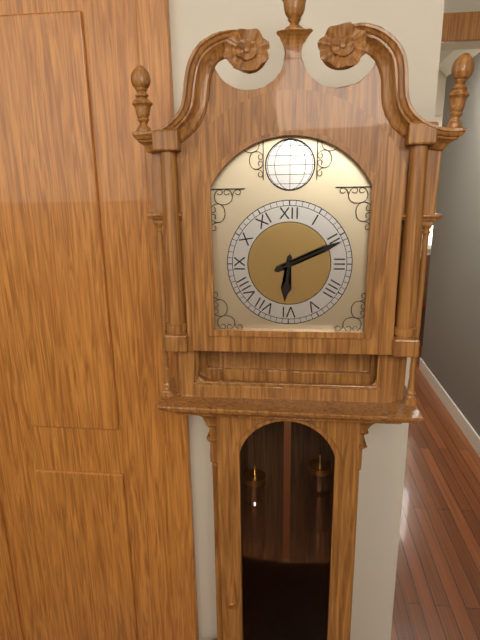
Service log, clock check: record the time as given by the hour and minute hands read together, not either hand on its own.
6:11
